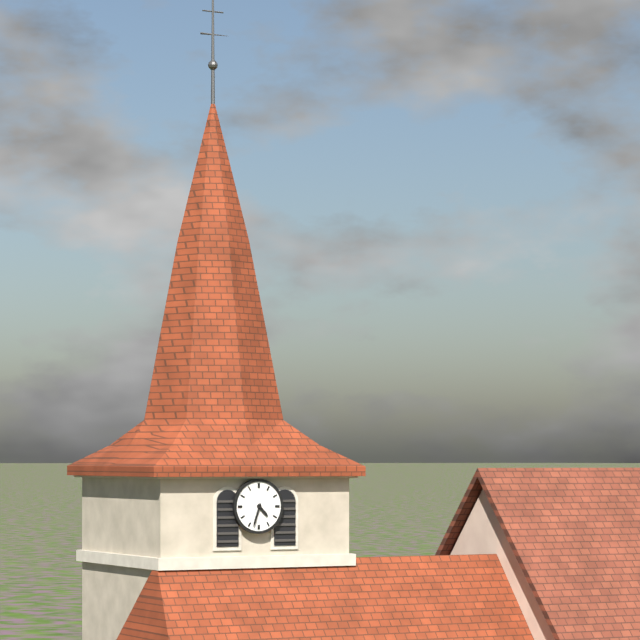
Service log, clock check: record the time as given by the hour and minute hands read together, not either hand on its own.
4:33
